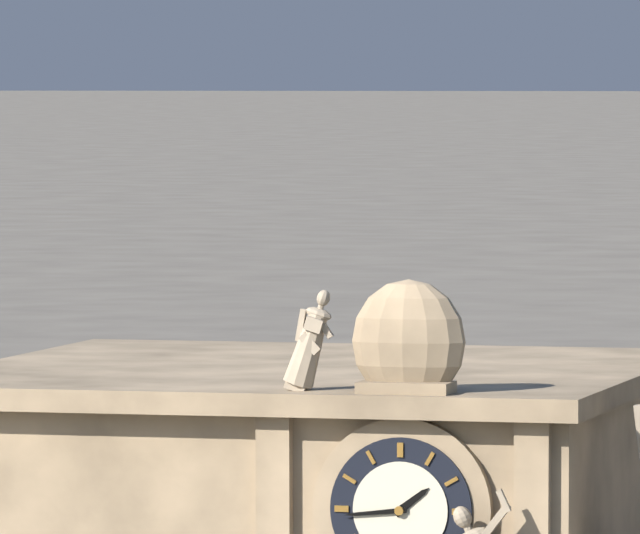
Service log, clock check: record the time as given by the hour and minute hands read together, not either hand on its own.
1:44
